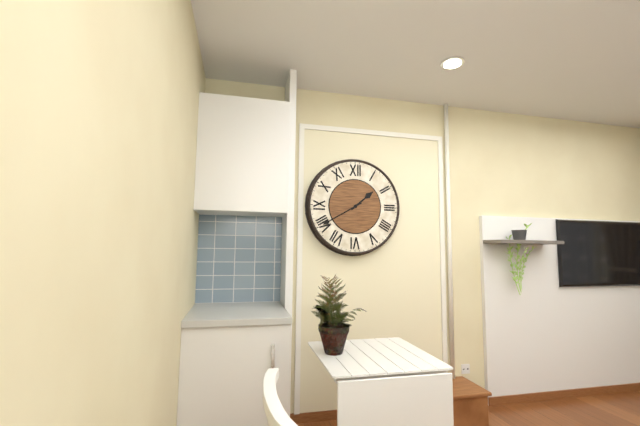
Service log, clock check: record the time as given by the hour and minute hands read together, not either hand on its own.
1:40
